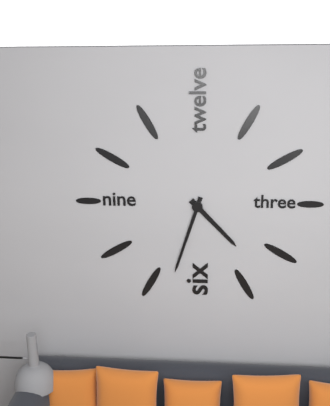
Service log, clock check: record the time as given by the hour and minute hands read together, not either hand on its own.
4:33
